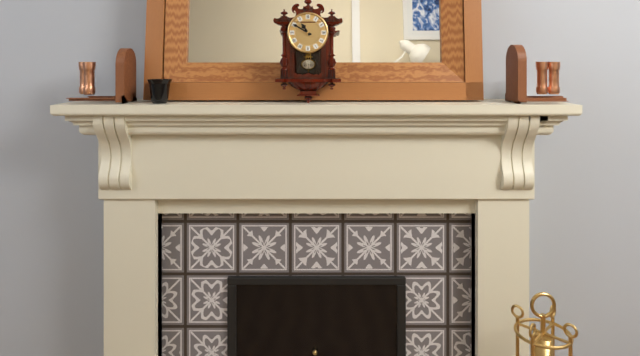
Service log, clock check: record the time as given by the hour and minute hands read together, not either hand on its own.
10:50
